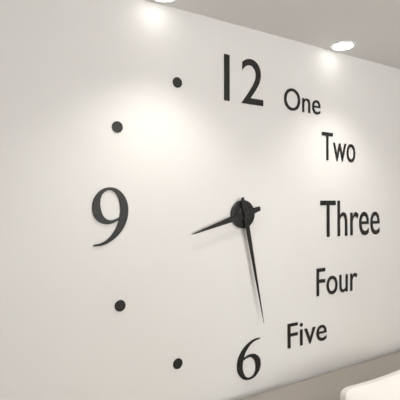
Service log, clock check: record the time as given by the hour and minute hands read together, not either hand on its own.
8:28
